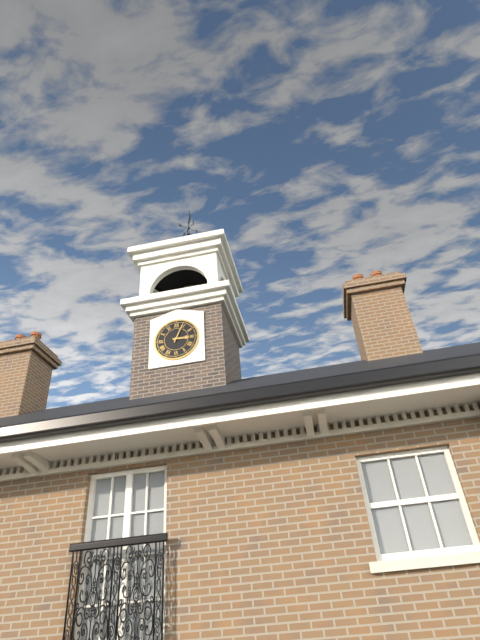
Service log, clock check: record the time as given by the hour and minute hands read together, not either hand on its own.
3:04
